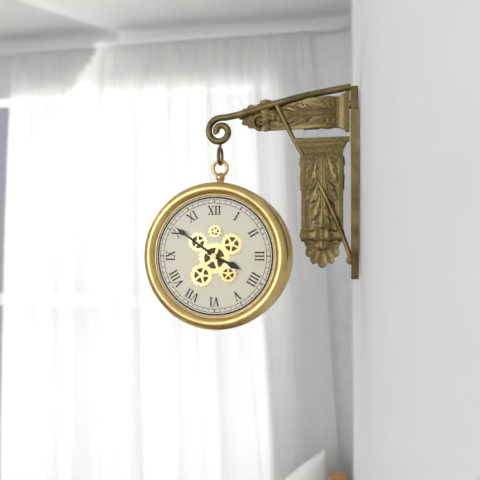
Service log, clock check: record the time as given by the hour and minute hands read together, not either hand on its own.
3:51
